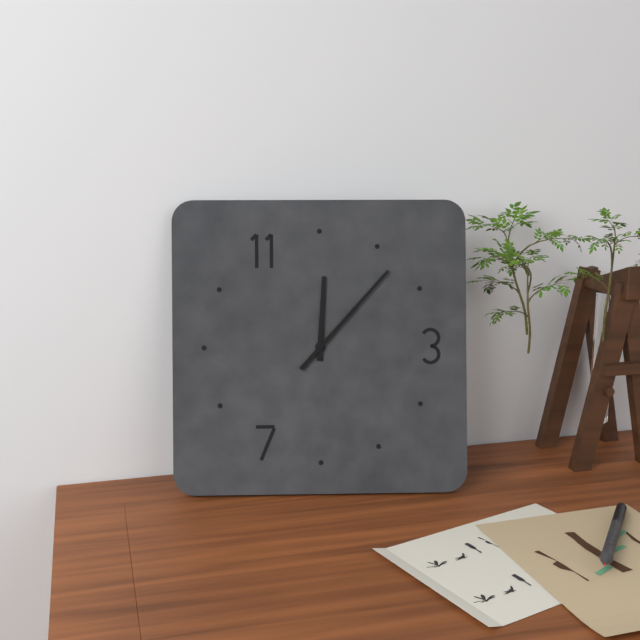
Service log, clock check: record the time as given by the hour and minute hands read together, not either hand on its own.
12:07
